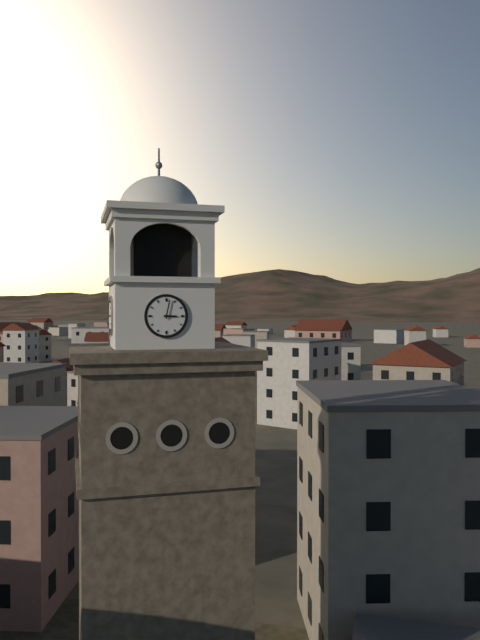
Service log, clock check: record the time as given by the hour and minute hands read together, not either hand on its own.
3:02
